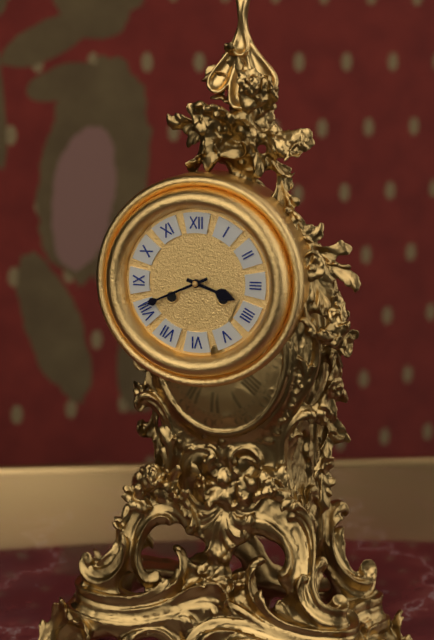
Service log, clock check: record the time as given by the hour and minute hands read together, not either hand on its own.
3:41
